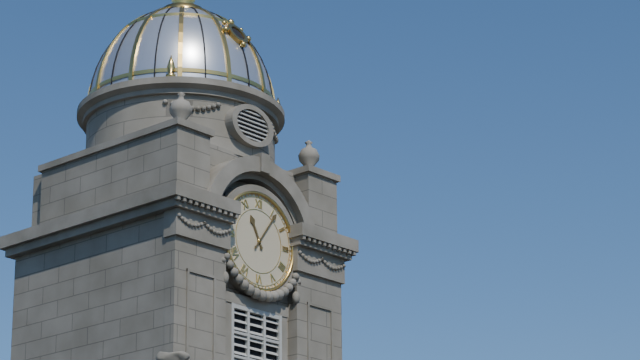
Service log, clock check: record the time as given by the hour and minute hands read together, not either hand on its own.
11:06
